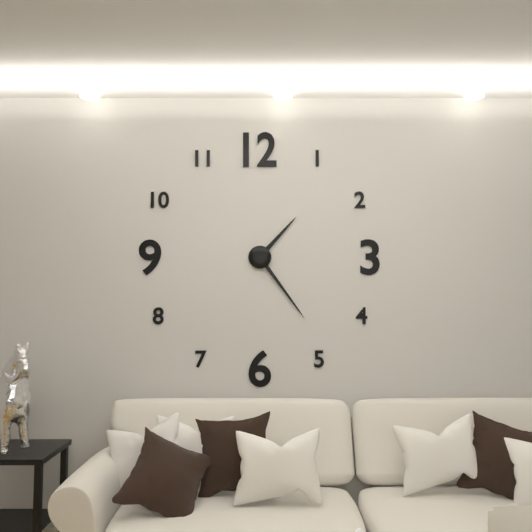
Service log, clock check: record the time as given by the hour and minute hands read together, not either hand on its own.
1:24
